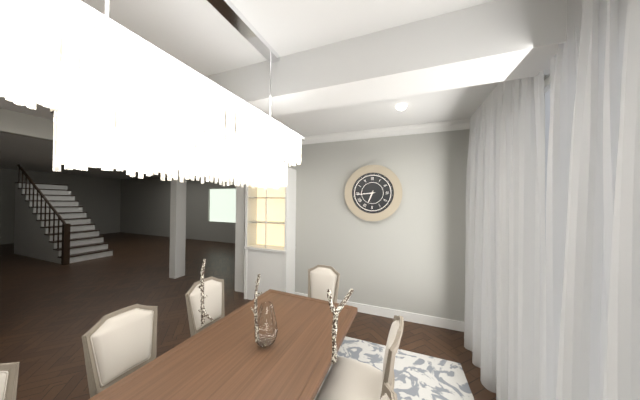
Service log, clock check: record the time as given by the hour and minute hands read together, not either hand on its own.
6:44
